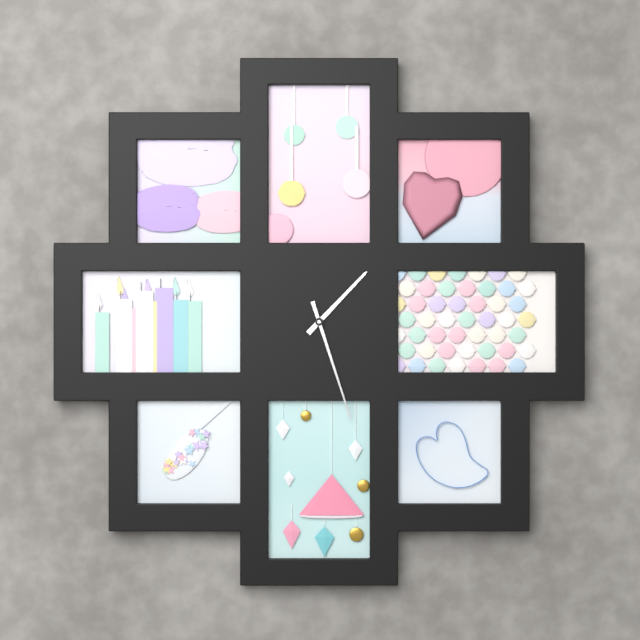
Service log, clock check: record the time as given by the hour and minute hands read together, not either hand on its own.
1:27
